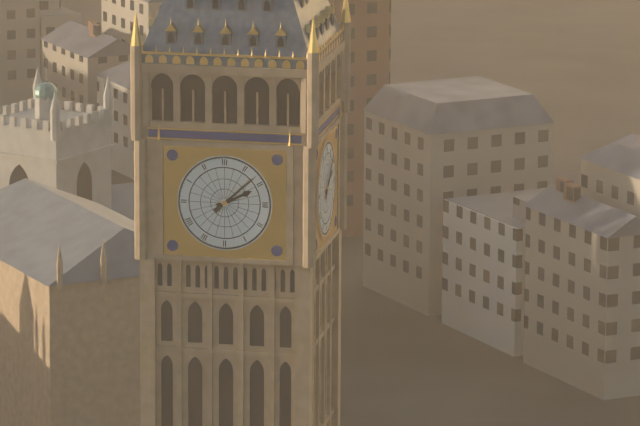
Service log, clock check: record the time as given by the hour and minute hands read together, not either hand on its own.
2:08
